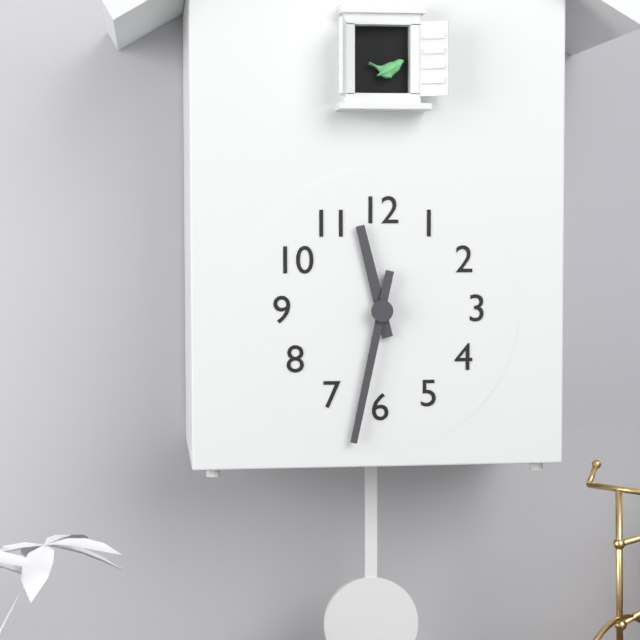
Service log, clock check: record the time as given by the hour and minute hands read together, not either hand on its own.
11:32
